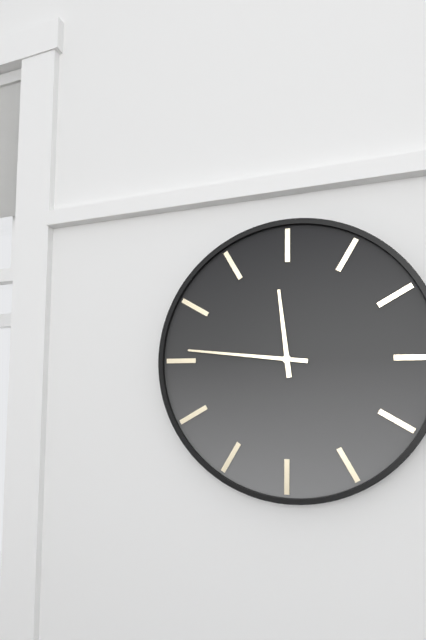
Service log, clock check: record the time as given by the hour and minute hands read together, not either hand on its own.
11:46
